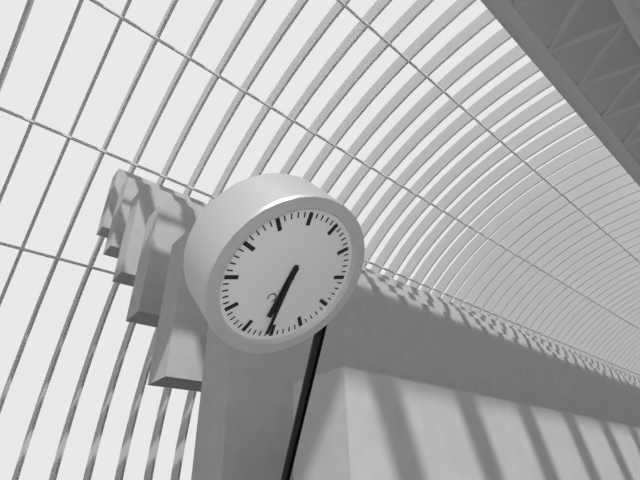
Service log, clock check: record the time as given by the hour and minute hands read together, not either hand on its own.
5:26
